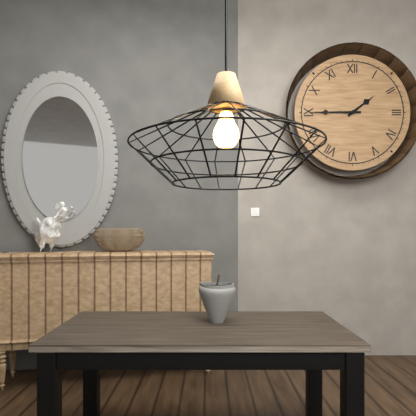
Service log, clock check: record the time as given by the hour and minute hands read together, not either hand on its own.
1:45
